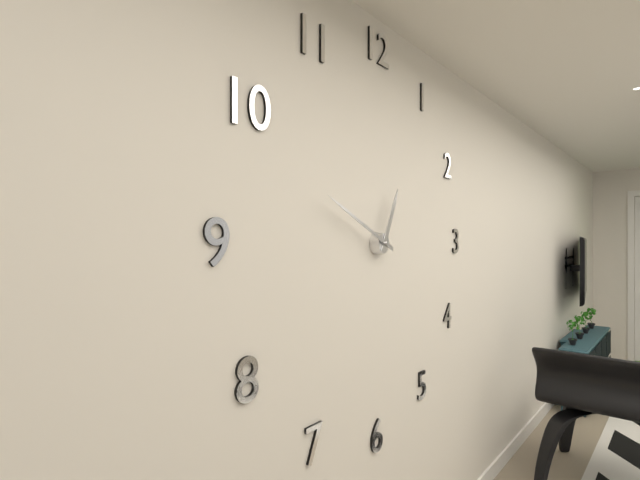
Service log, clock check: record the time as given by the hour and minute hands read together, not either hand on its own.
12:49
